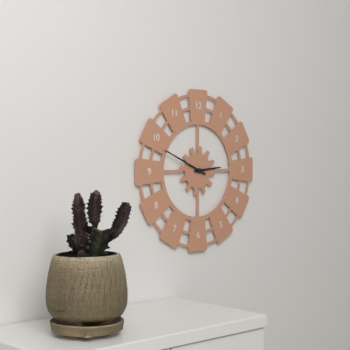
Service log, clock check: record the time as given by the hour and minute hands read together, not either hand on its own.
2:49
